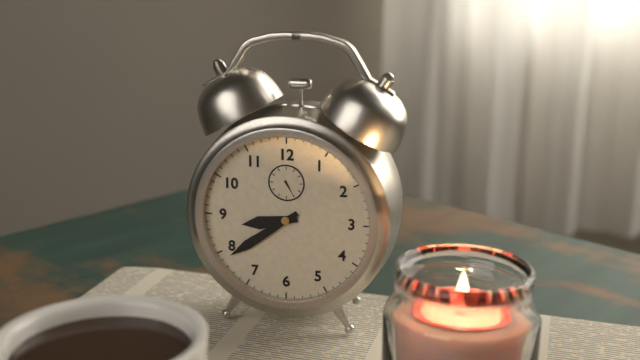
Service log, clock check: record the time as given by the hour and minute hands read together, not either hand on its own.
8:39
